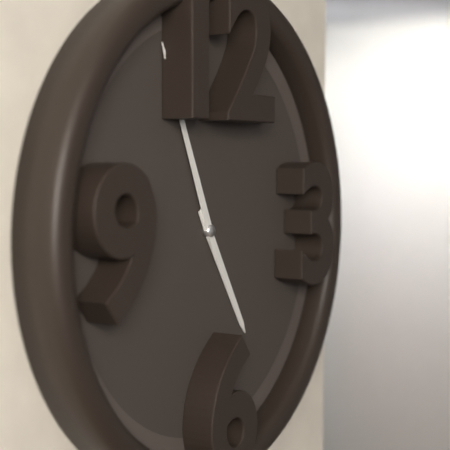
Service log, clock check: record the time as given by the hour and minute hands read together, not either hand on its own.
4:56
